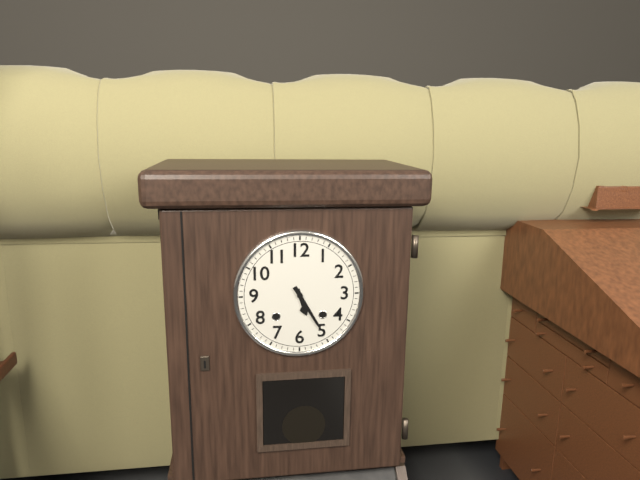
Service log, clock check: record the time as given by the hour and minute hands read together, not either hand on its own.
5:25
